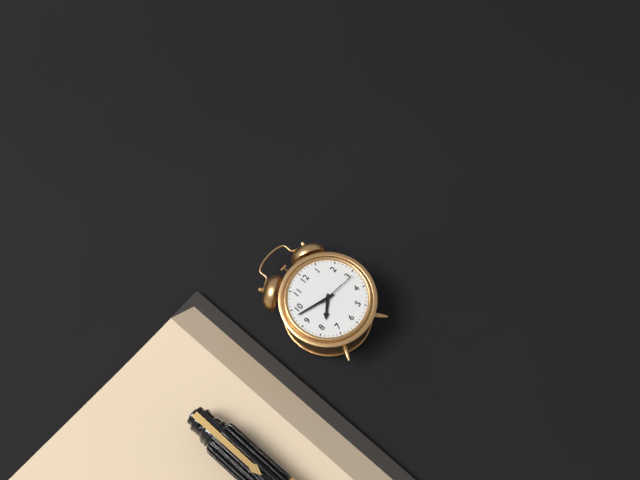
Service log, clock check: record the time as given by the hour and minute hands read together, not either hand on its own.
7:48
